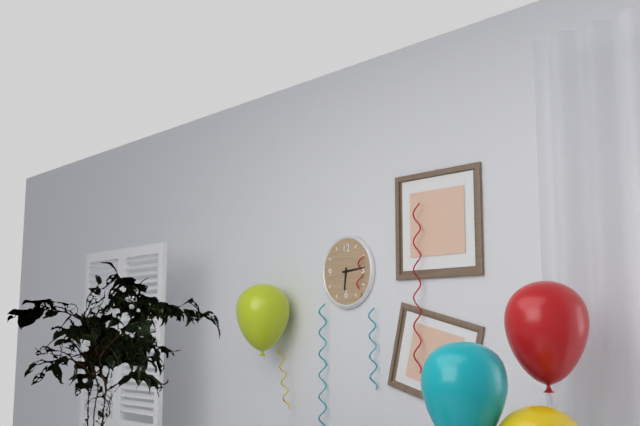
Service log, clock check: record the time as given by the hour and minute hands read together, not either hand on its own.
6:14
